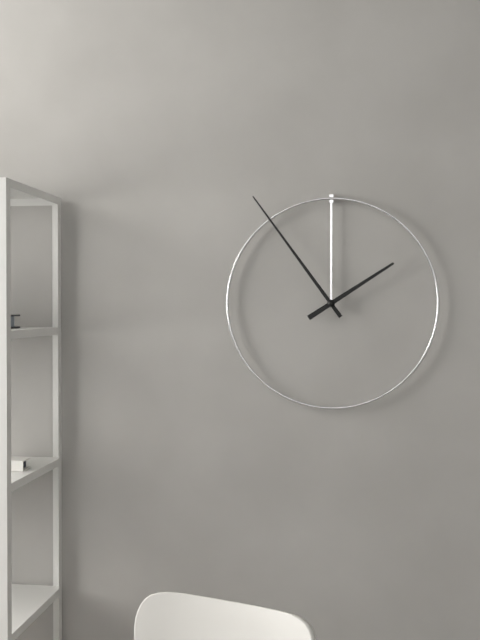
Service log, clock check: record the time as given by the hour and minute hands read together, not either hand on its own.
1:54
